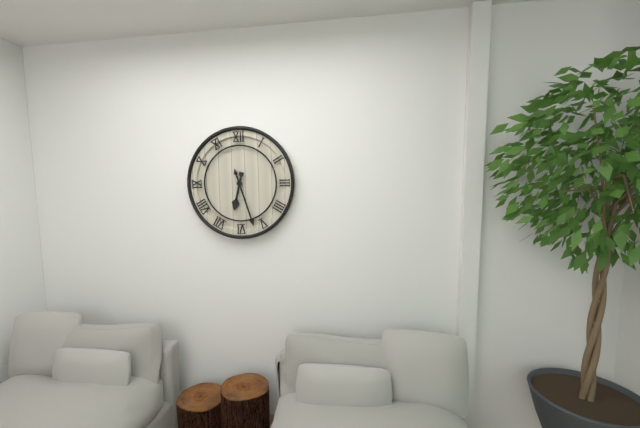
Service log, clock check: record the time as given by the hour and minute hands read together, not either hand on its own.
6:27
